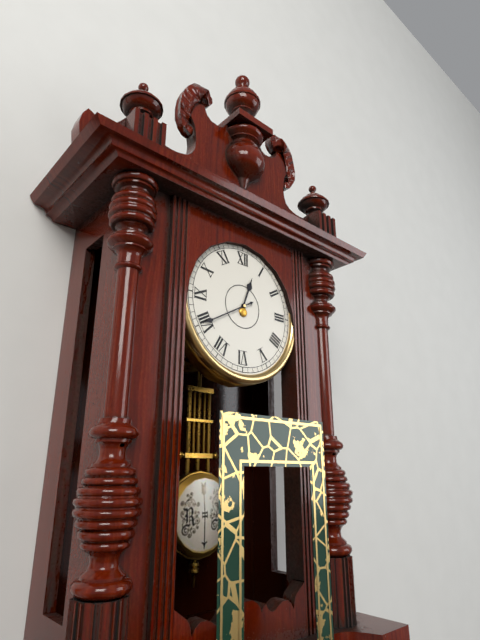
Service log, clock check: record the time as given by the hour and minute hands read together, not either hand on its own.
12:40
